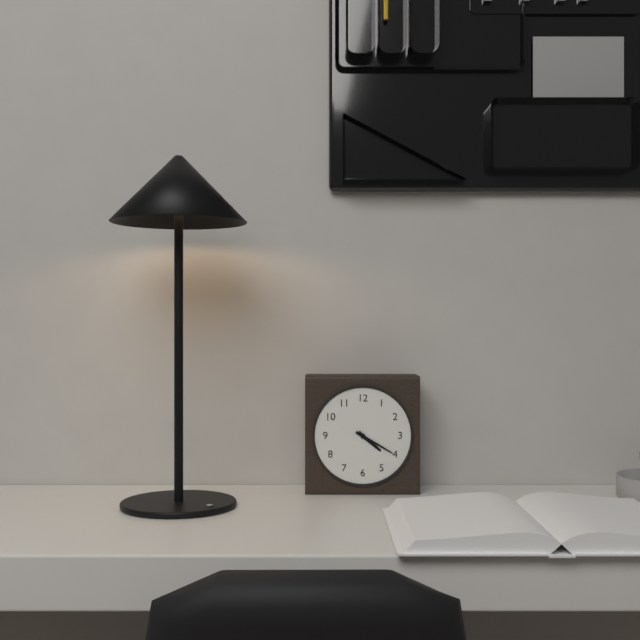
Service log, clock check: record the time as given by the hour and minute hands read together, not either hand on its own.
4:20
